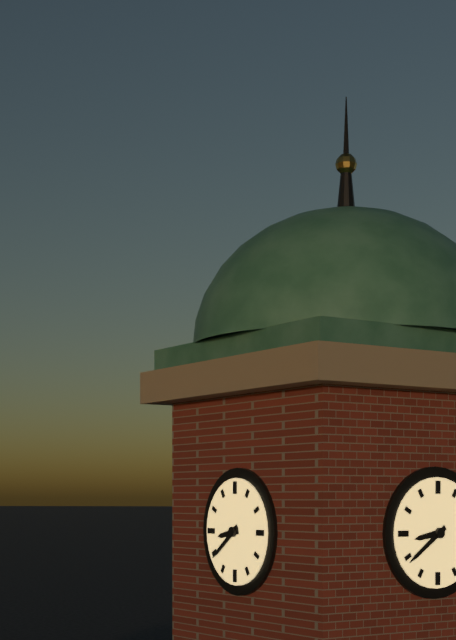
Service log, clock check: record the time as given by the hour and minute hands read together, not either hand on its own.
8:39
